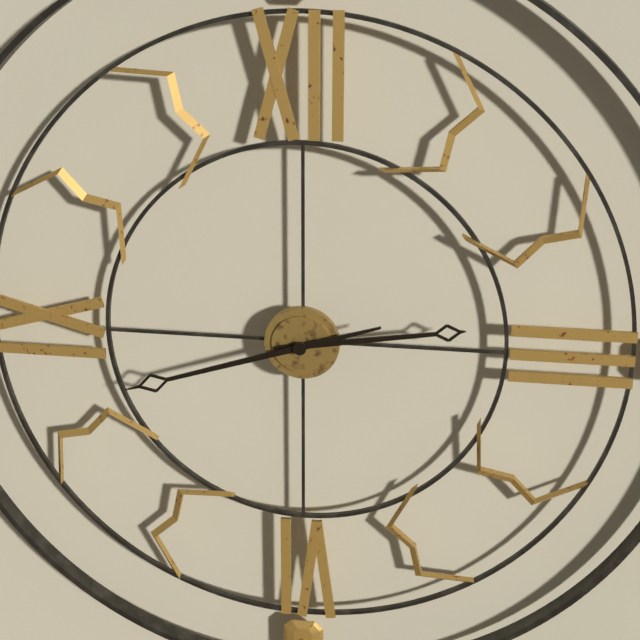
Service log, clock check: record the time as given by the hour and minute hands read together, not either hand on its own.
2:42
